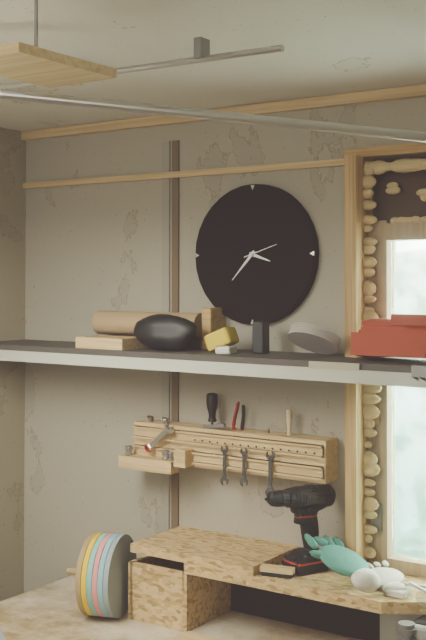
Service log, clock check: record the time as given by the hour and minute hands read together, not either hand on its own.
3:37
